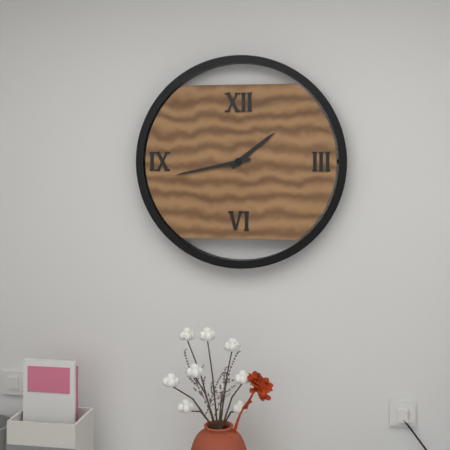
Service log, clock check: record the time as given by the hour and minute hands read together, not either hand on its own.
1:43
